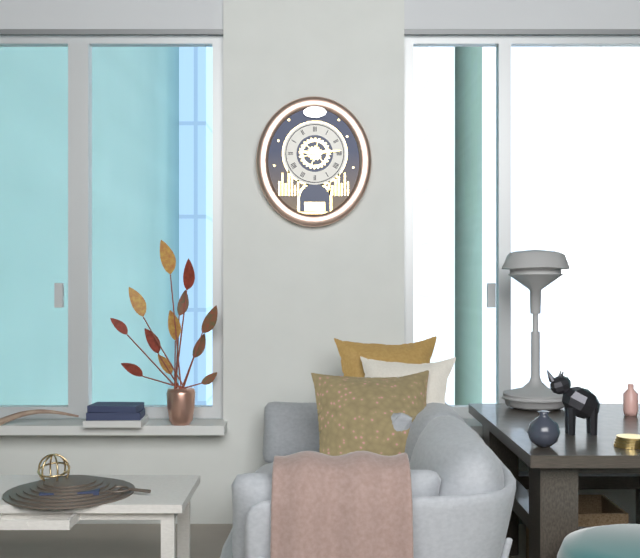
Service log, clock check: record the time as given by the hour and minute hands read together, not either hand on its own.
9:14
